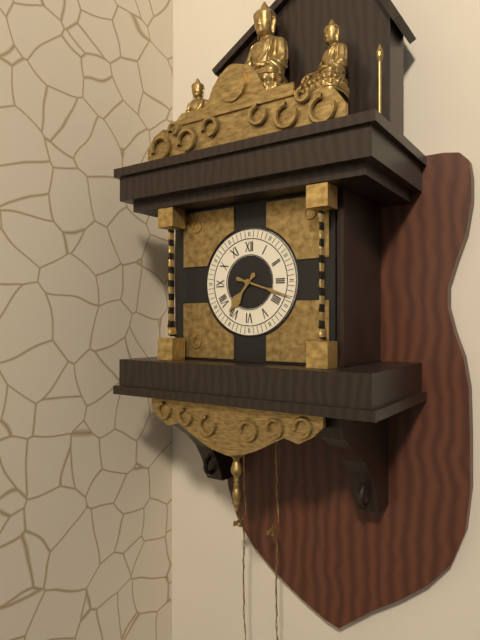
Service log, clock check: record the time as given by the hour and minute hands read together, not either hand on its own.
7:18
